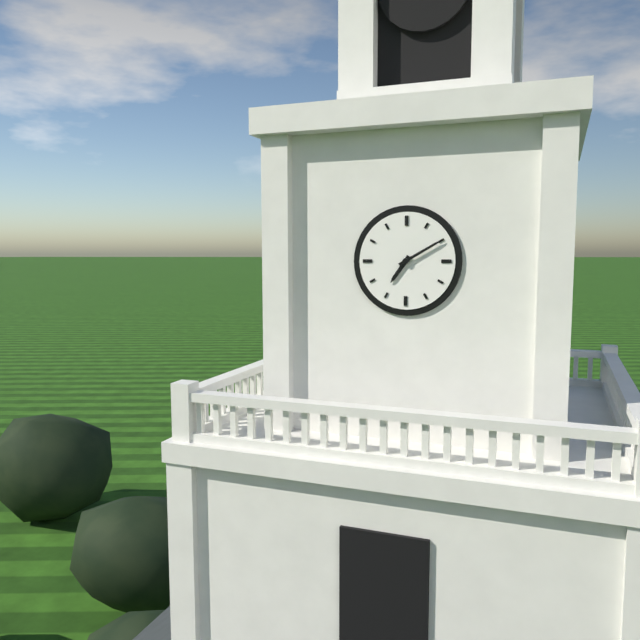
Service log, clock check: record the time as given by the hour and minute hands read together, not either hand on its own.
7:10
